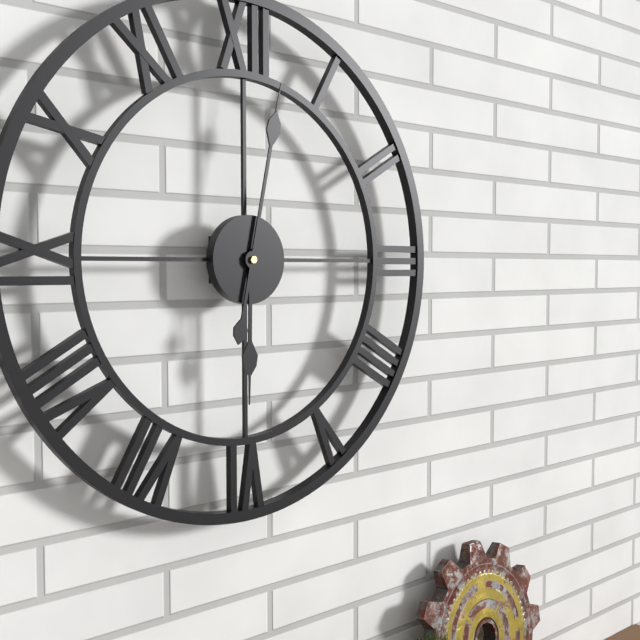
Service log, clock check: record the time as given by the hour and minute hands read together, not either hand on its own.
6:02
